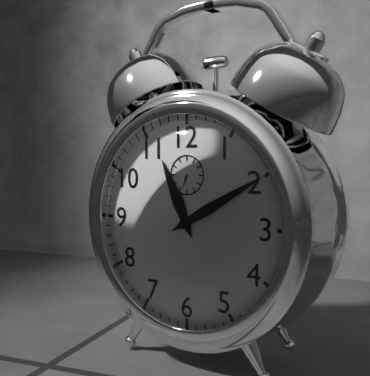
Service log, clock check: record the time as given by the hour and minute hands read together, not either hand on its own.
11:10
